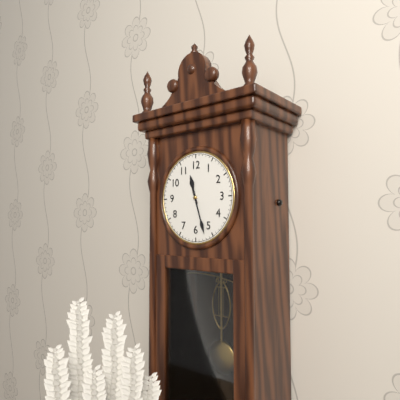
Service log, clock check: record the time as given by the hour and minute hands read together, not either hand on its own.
11:27
